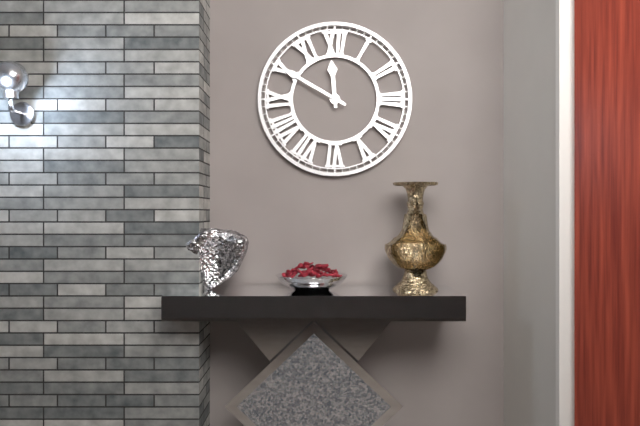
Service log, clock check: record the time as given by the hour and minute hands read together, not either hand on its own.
11:50
